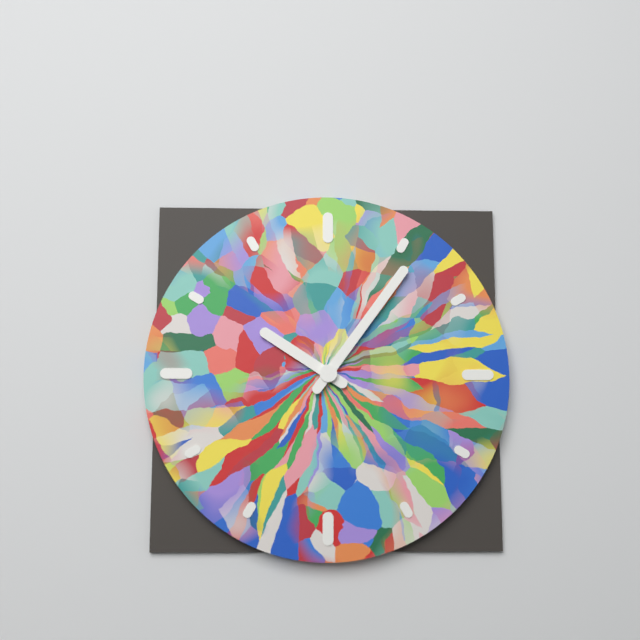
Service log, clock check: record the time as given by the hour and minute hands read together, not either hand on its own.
10:06
